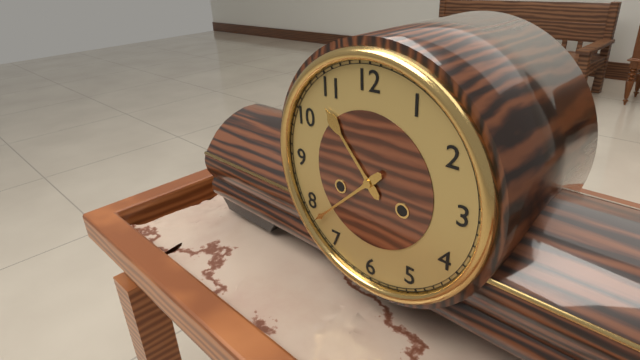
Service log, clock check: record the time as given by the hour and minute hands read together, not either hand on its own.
10:38
